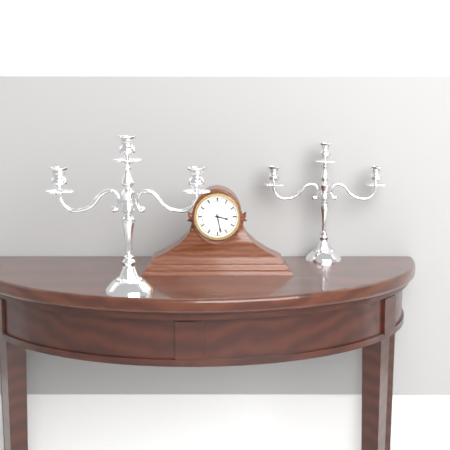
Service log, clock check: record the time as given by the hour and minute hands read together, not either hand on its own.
3:28
